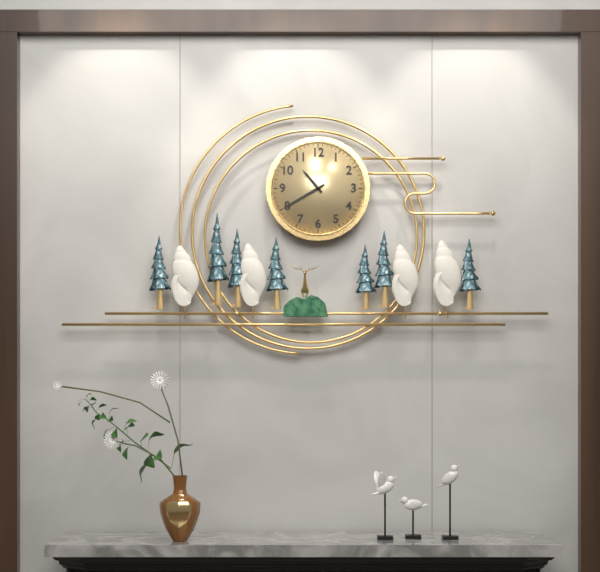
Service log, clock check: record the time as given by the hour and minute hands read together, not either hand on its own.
10:40
